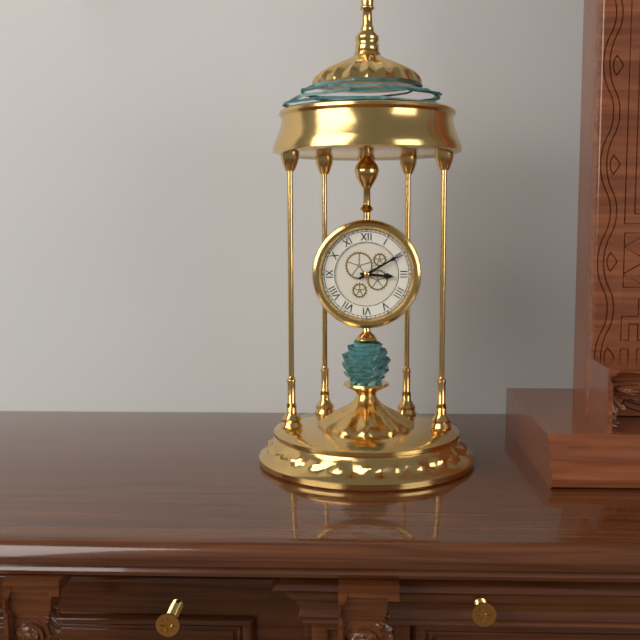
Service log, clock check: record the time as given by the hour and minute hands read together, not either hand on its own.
3:10
